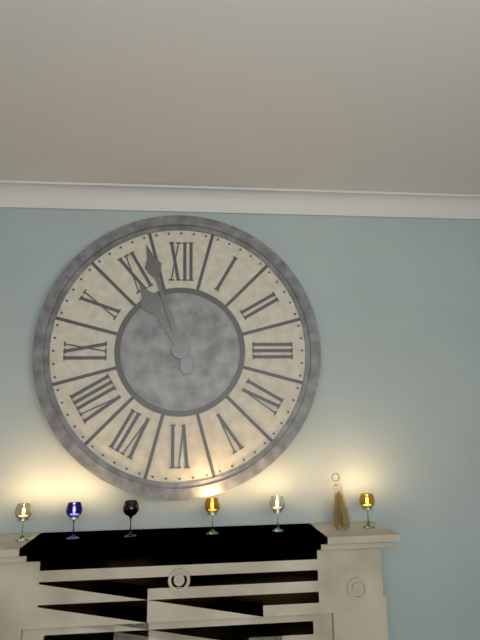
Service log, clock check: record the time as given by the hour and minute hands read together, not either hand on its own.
10:57
